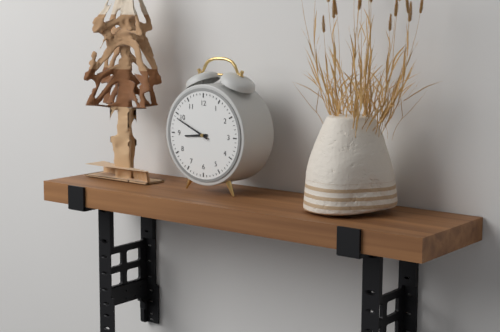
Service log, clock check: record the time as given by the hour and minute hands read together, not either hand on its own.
8:49
